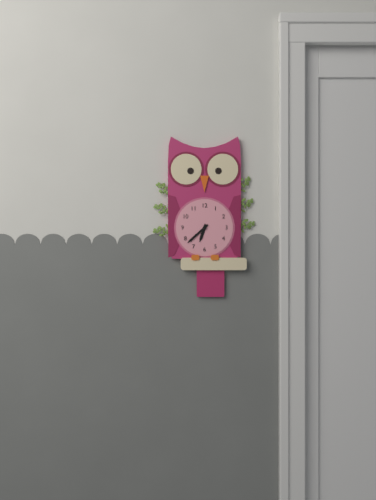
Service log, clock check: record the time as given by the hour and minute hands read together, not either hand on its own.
6:38
